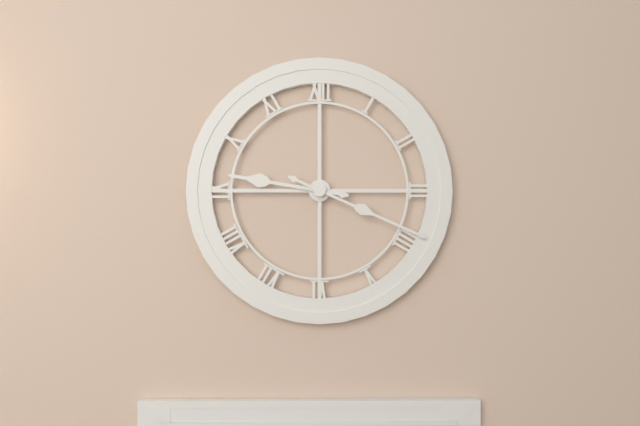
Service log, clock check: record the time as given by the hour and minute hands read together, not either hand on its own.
9:19
